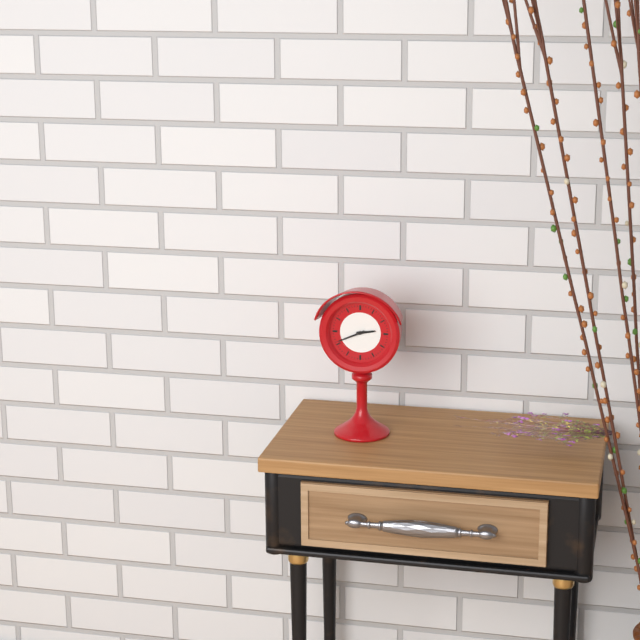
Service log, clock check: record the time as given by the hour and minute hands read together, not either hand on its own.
2:41
